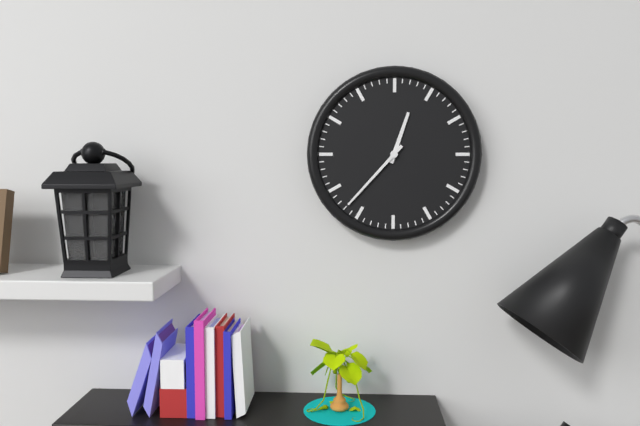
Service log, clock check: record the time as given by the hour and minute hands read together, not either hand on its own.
12:37
